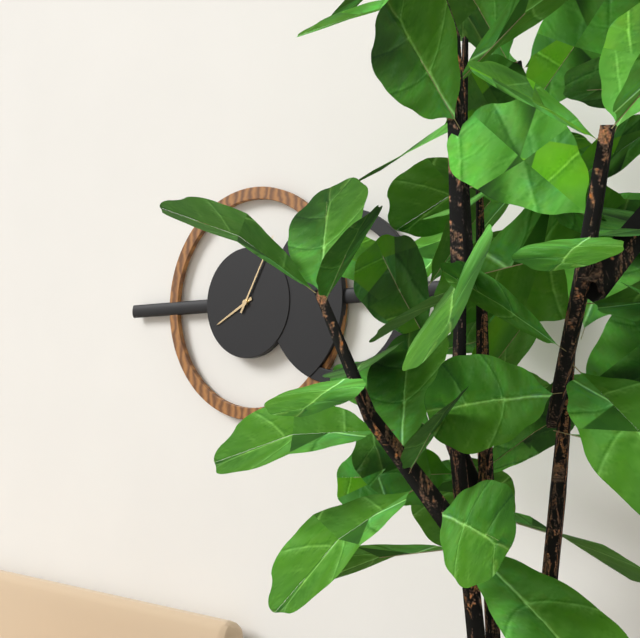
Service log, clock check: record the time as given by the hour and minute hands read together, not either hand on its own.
8:05
